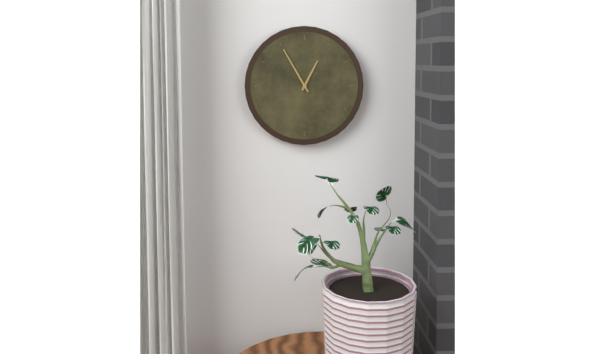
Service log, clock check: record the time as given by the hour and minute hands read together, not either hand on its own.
12:55
